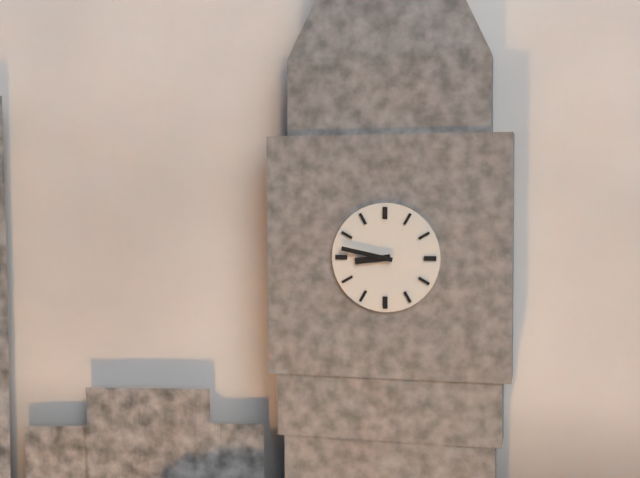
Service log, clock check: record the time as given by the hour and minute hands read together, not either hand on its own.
8:47
